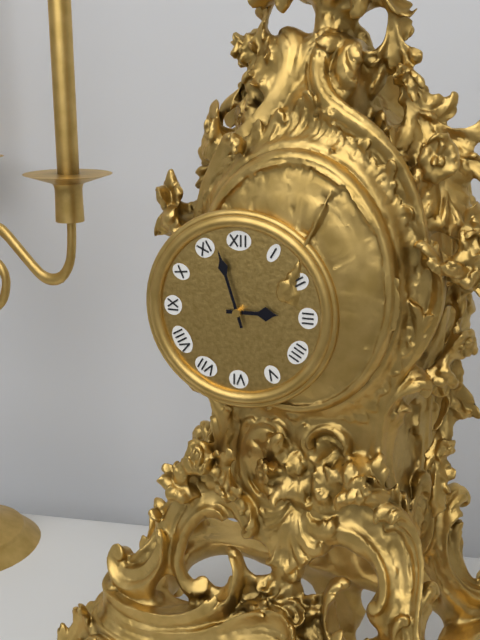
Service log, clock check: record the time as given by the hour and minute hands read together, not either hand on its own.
2:57
